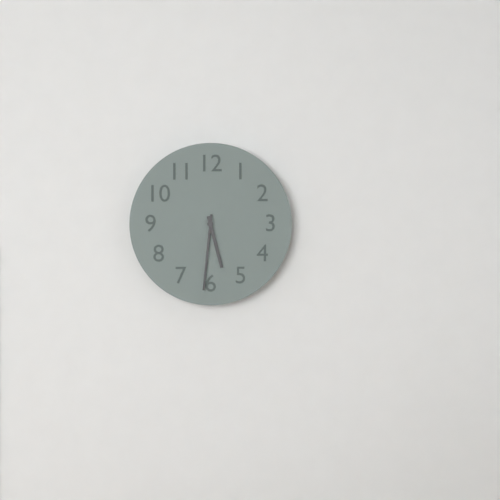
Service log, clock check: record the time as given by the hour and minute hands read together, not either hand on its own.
5:31
